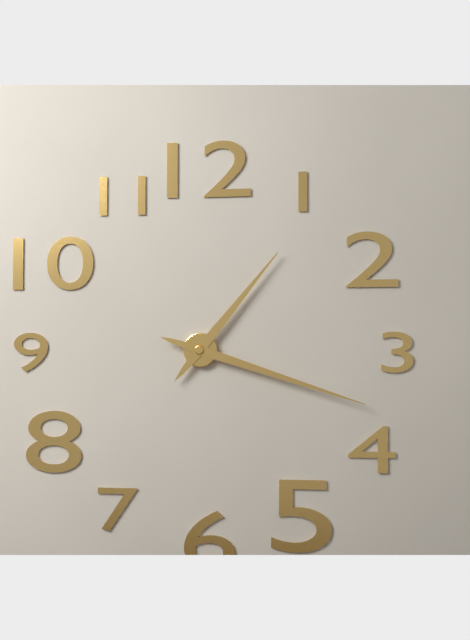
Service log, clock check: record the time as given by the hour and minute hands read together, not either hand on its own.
1:18
